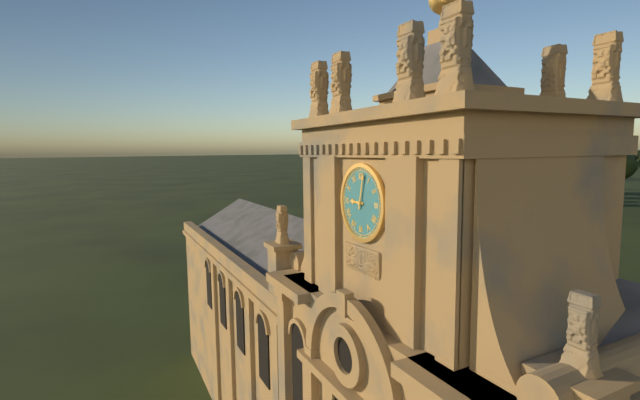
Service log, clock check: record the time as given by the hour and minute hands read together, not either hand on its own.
9:02
